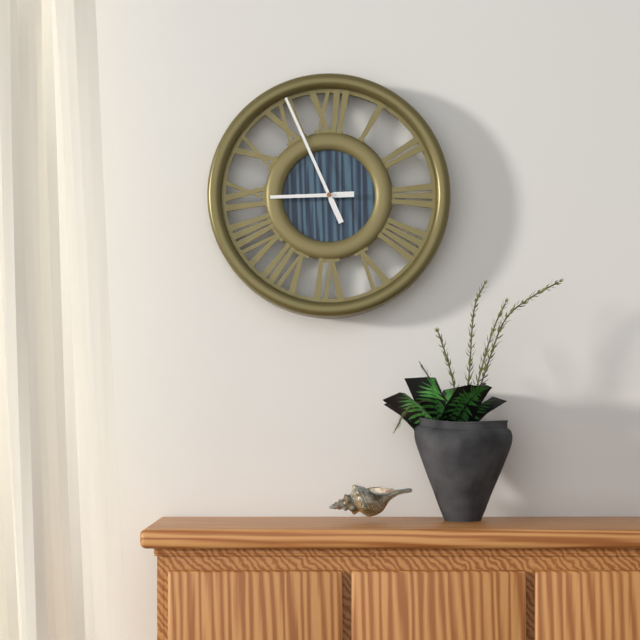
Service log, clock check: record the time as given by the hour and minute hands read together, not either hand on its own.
8:56
